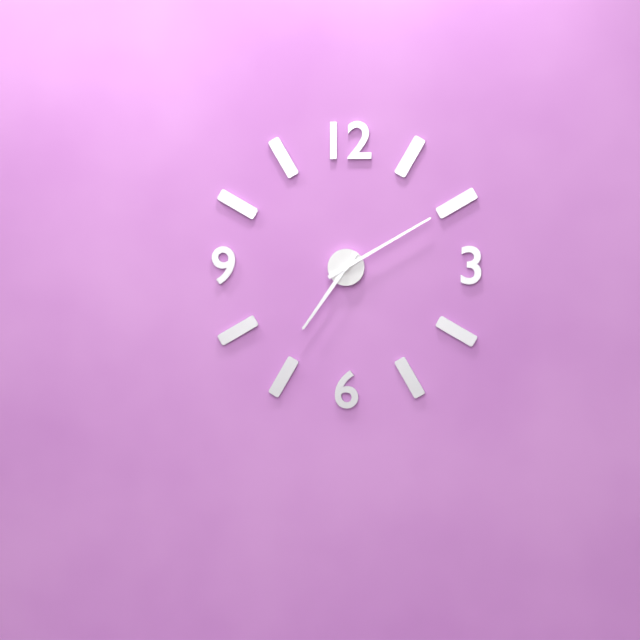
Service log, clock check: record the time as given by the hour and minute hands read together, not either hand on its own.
7:10
